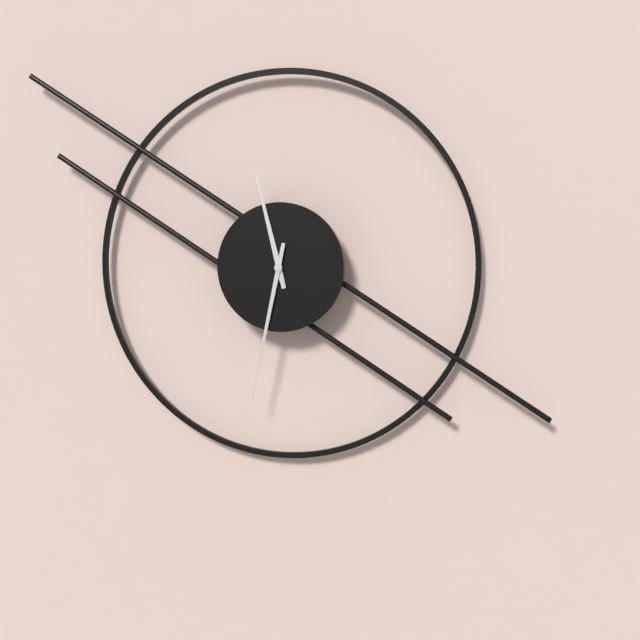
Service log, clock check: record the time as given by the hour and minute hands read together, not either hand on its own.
11:32
